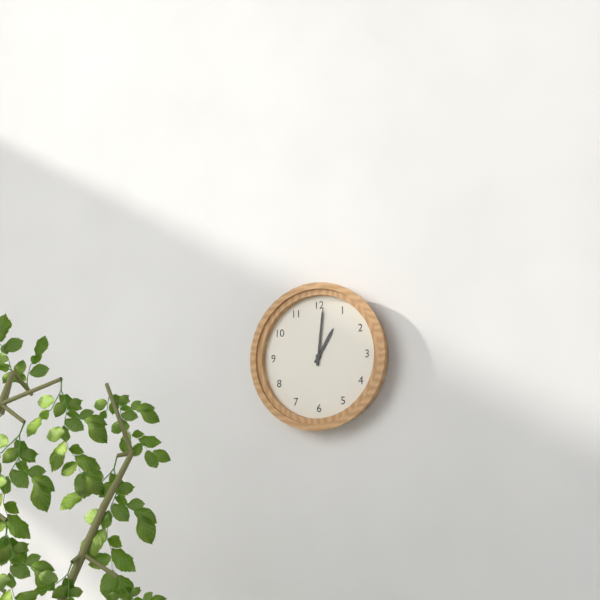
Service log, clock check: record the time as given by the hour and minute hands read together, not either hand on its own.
1:01
